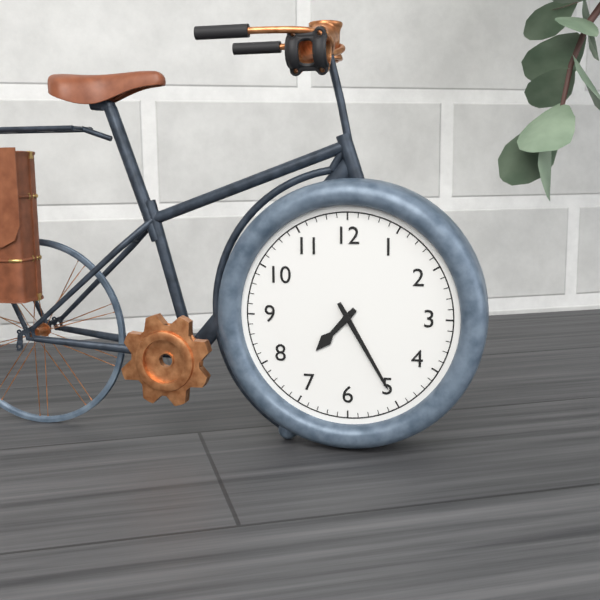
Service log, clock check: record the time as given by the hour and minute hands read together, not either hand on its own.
7:25
